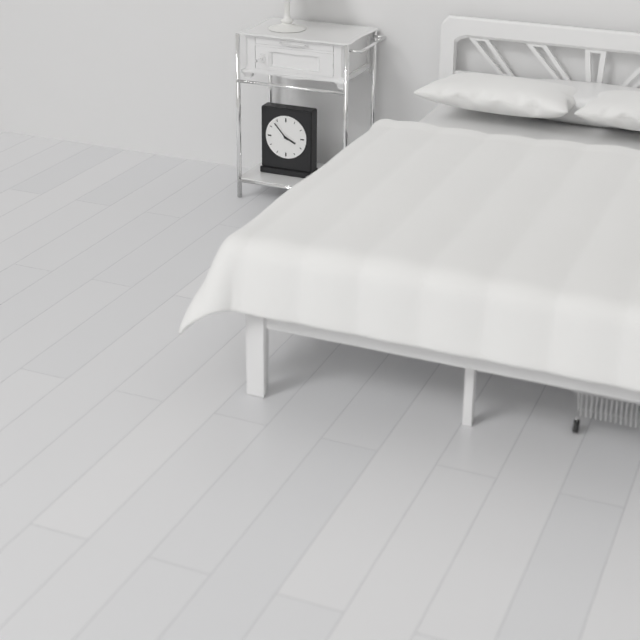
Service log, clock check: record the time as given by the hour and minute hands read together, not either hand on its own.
3:53
